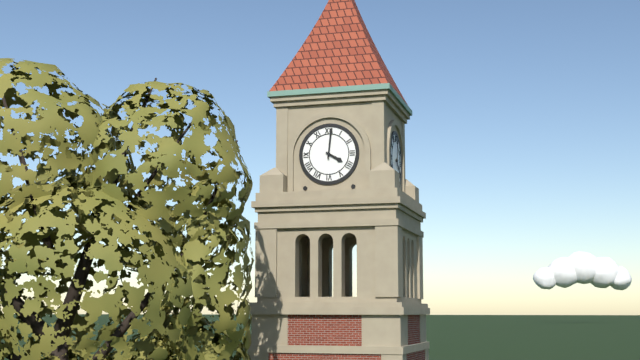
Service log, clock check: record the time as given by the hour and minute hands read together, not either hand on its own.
4:01
